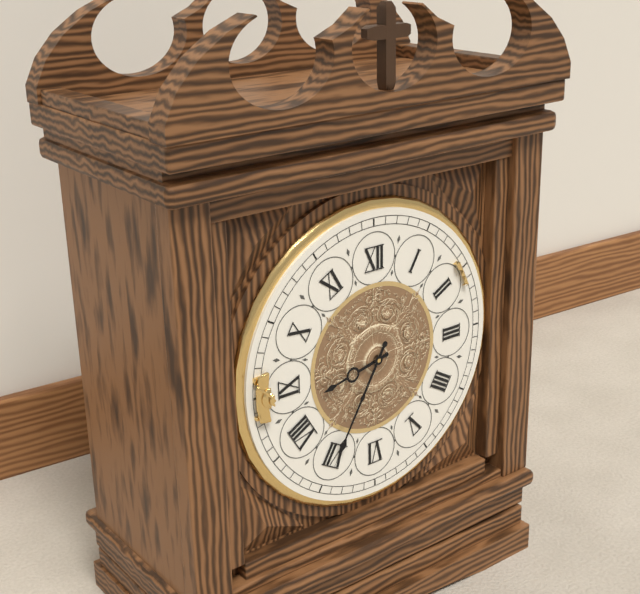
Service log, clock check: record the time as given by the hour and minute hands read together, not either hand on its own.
8:35
